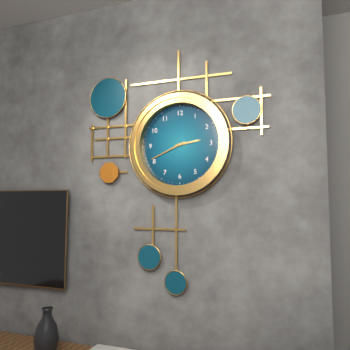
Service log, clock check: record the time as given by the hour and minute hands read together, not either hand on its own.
2:41
